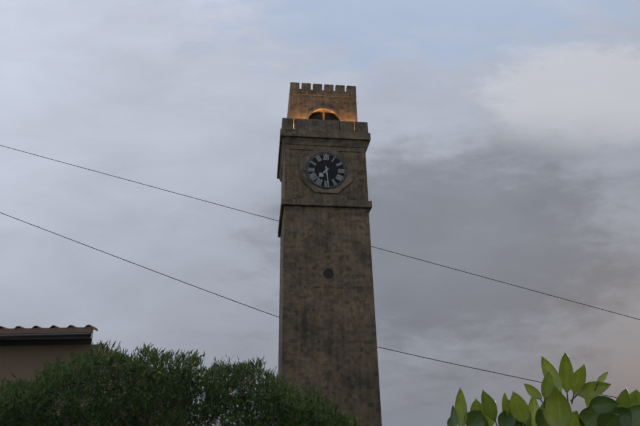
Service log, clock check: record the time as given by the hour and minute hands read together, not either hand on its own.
7:29
